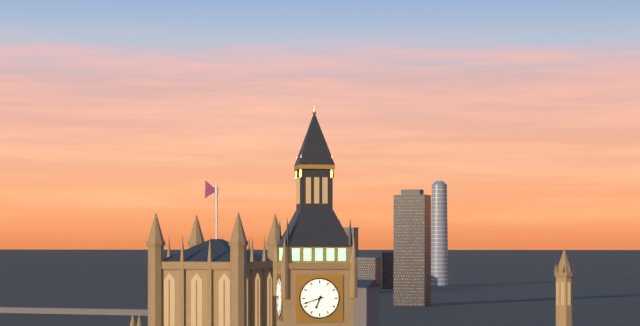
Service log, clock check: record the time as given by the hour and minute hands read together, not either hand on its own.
6:42
